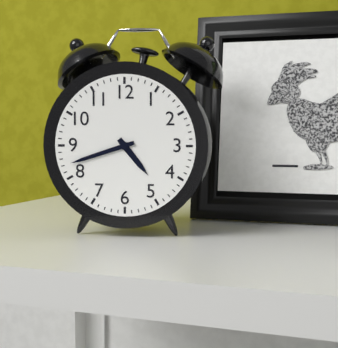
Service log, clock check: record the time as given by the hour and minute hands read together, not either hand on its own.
4:42
